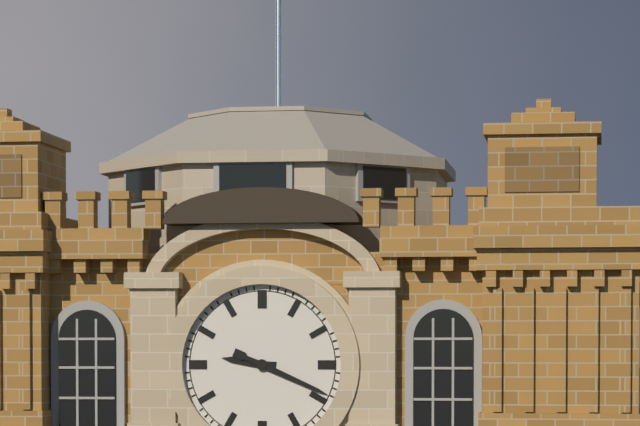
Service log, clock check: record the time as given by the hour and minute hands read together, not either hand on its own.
9:19
